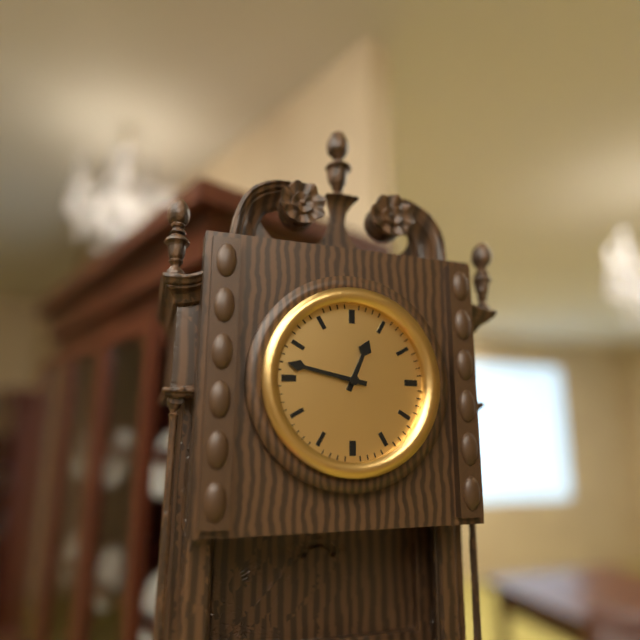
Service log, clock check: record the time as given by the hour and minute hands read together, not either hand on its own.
12:47
